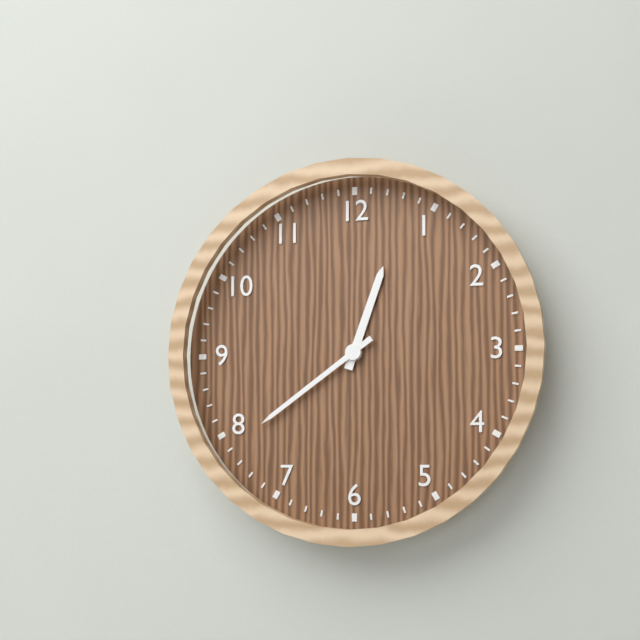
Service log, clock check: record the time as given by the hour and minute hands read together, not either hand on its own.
12:39
